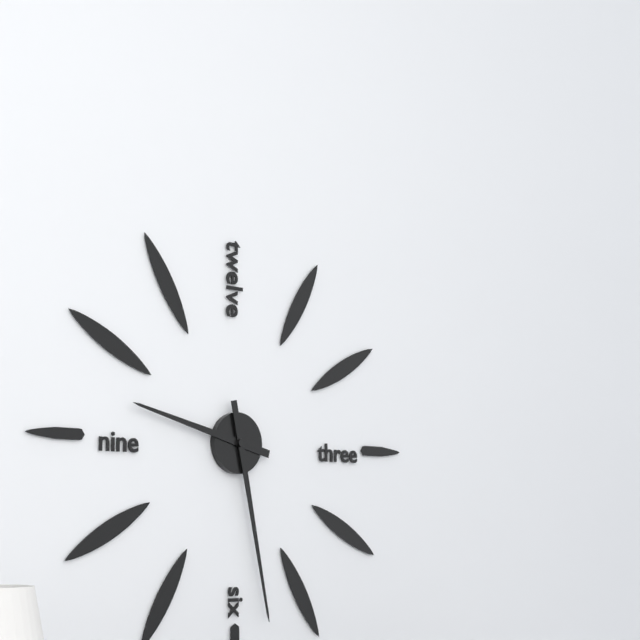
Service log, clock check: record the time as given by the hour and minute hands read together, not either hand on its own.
9:28
